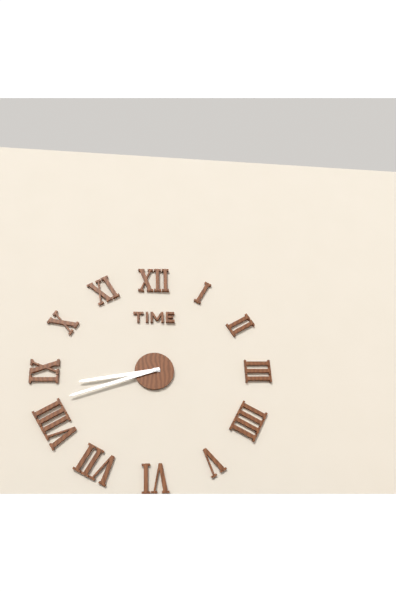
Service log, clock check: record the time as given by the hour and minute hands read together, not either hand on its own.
8:42
